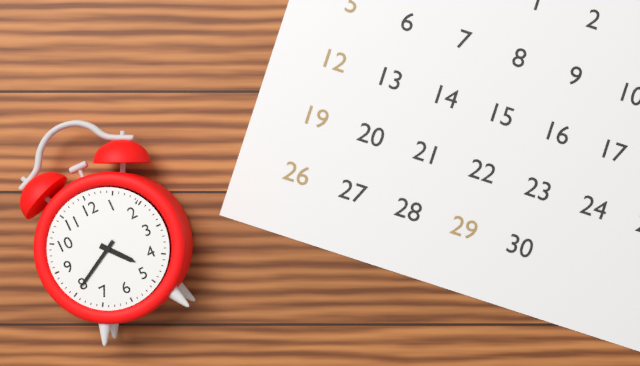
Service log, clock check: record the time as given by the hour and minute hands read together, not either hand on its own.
4:40
